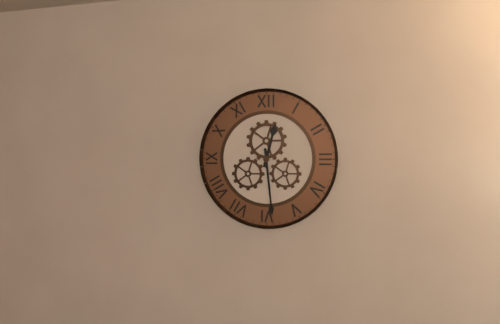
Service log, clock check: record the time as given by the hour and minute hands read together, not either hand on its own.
12:29
